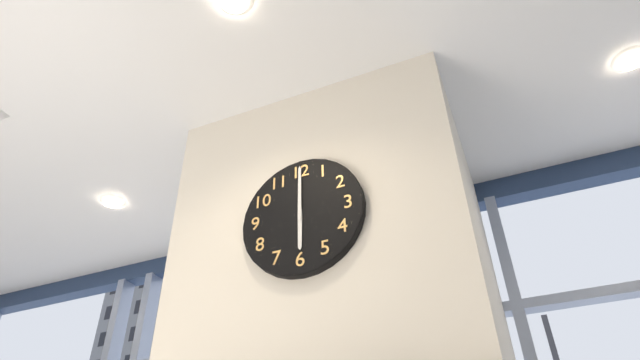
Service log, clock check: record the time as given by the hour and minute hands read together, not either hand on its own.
6:00
